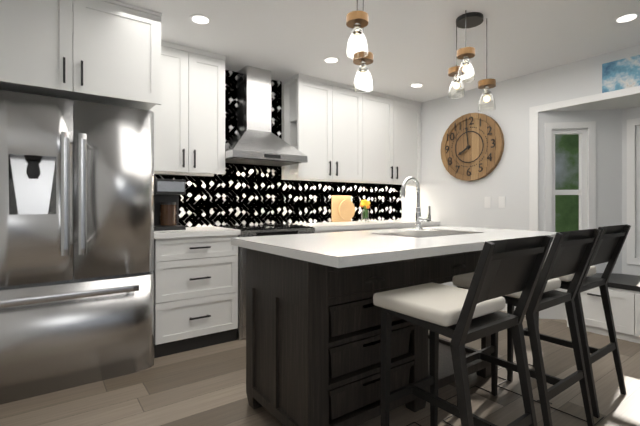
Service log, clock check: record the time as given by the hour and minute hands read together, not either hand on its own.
7:59
